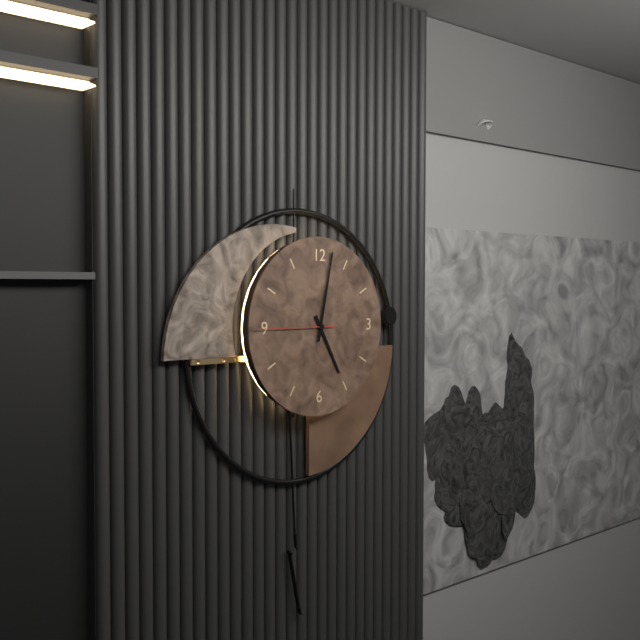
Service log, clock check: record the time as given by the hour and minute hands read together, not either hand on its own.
5:02
